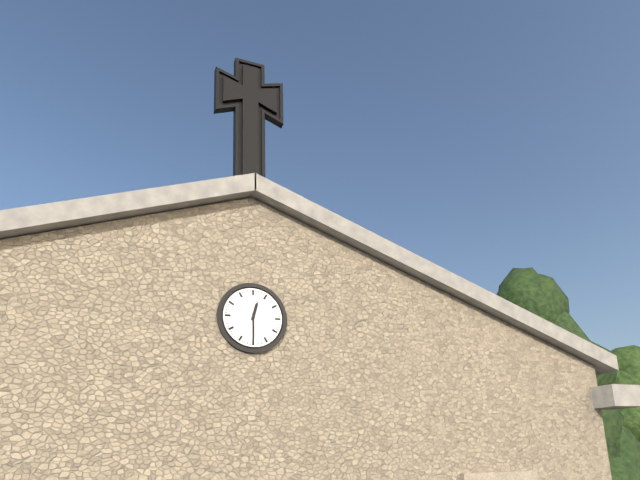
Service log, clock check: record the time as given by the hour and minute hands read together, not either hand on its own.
12:30
